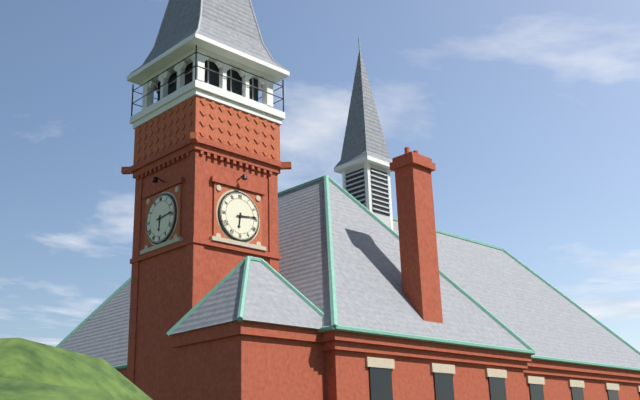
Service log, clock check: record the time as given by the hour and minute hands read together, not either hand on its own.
6:14
